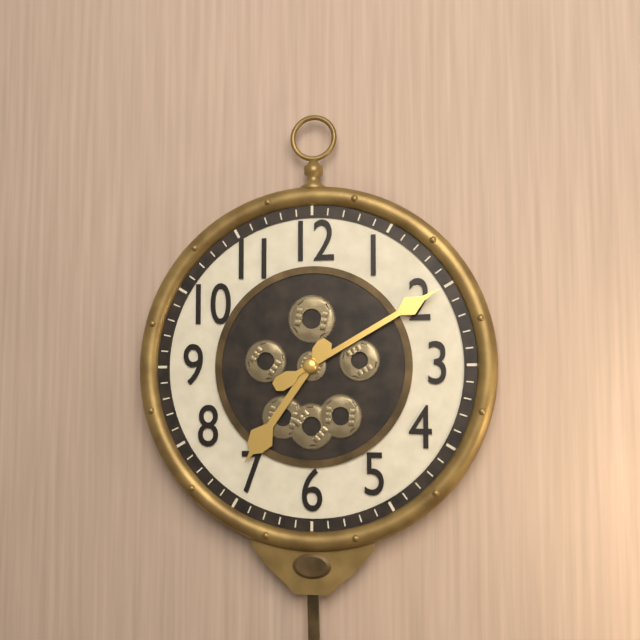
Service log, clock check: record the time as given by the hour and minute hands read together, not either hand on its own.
7:10
